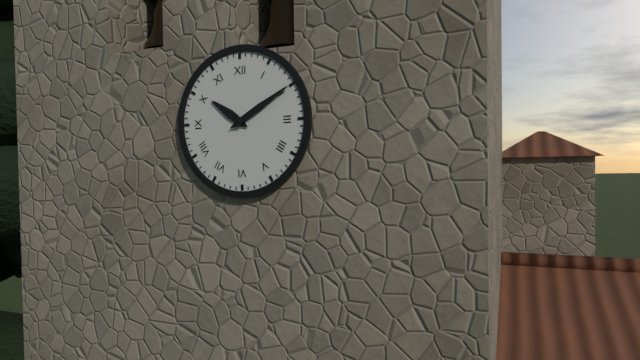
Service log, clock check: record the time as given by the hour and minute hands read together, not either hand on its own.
10:10
